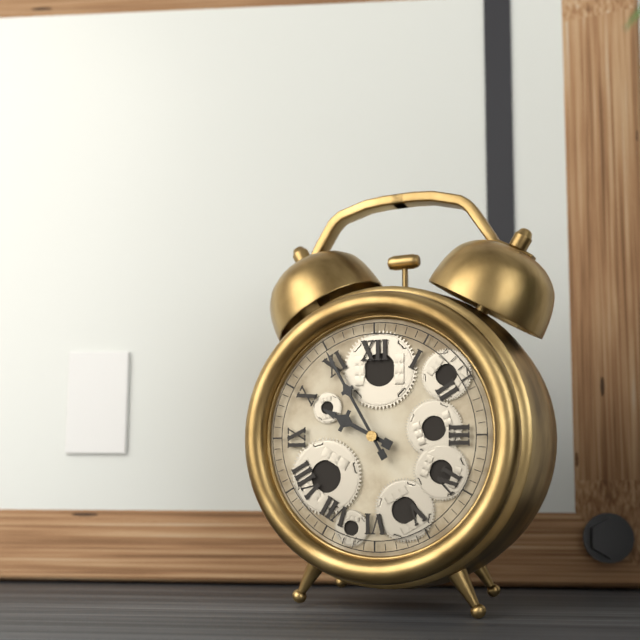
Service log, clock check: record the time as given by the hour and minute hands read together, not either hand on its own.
9:55
